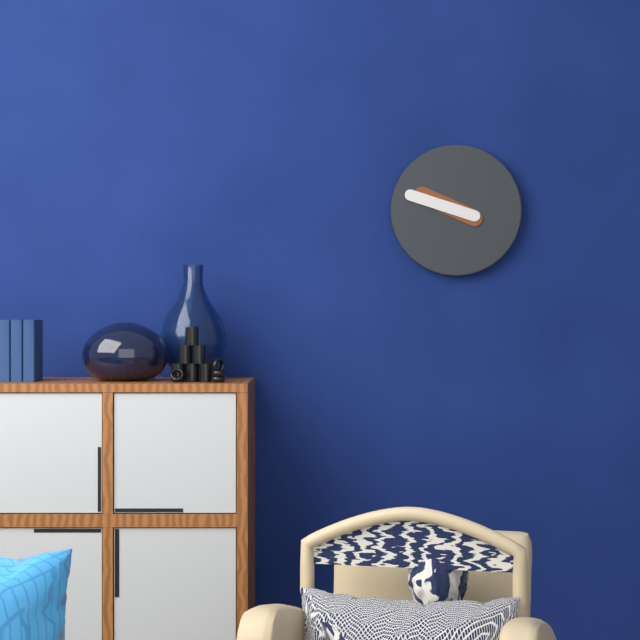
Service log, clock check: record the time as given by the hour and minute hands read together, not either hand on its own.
9:48
